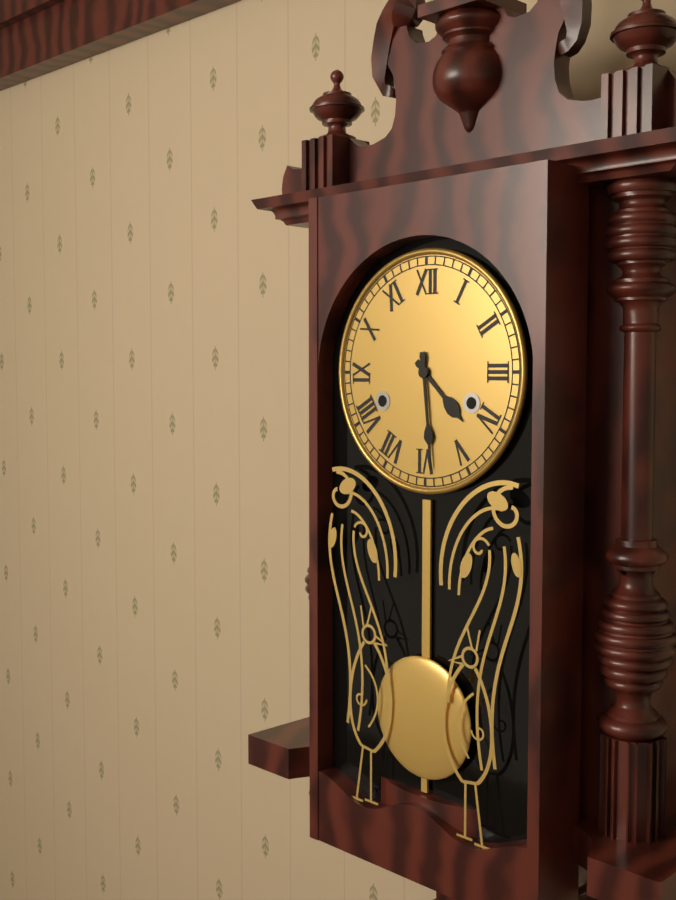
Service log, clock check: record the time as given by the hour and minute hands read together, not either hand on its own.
4:29
